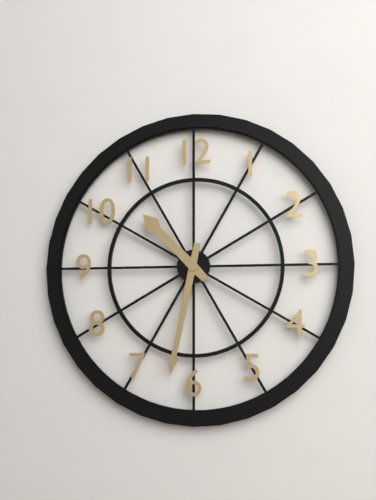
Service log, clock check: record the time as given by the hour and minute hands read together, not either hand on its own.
10:32
